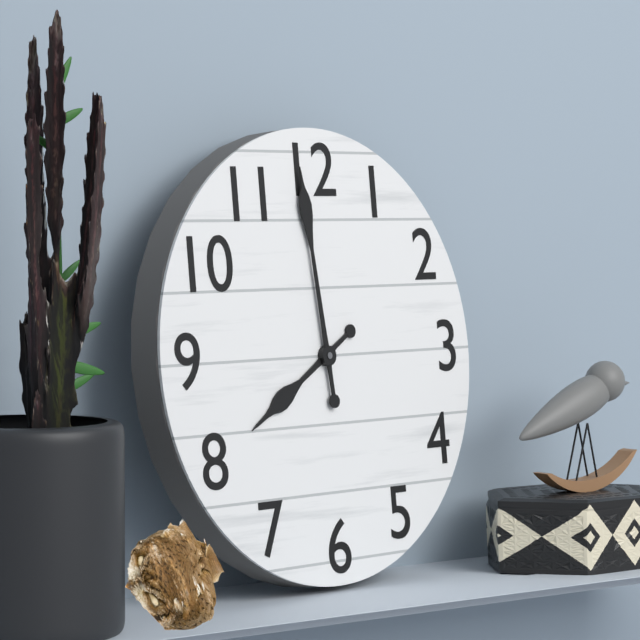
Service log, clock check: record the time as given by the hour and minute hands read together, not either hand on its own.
7:59
